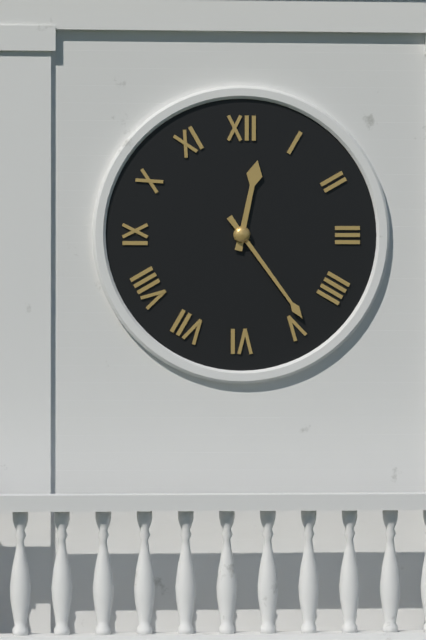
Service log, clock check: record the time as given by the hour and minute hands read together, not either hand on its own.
12:24
